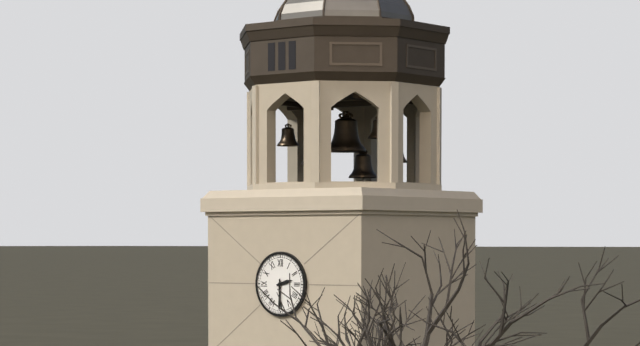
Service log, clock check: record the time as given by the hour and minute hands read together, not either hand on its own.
2:30
